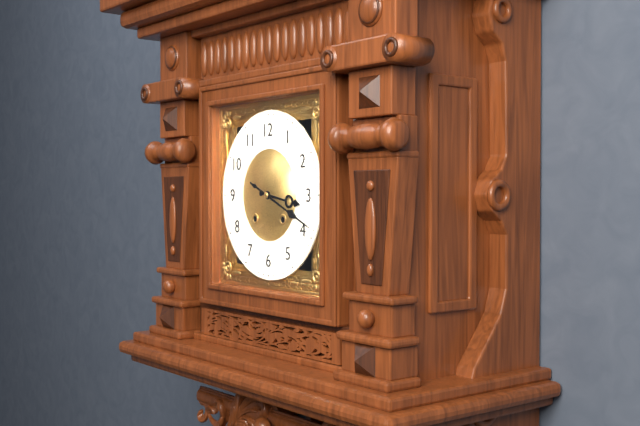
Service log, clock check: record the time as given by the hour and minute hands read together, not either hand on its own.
3:19
